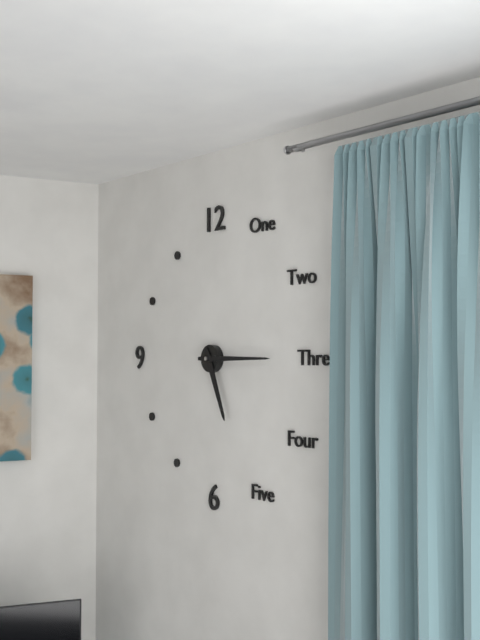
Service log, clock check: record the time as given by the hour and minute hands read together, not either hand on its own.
5:15
